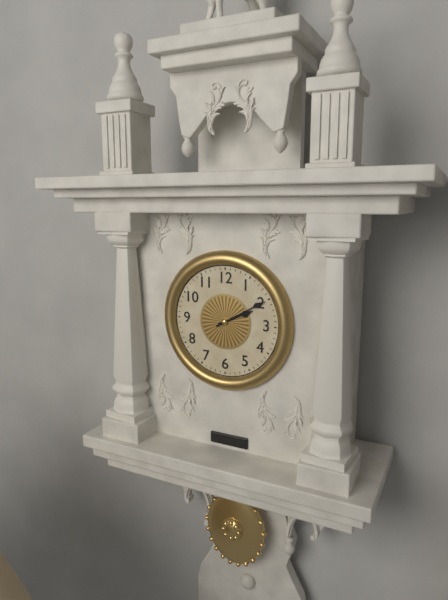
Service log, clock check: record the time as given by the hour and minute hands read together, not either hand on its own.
2:10
